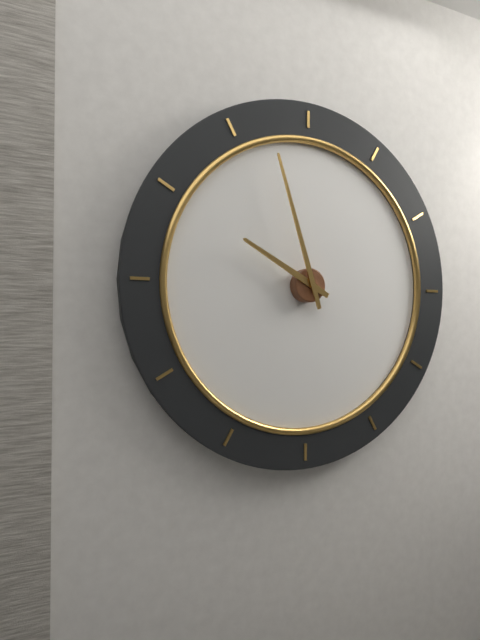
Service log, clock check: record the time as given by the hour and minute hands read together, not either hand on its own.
9:57
